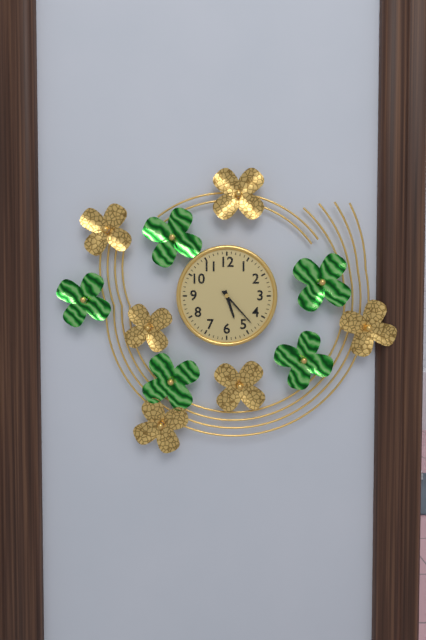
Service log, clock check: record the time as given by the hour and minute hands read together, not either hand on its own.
5:23
